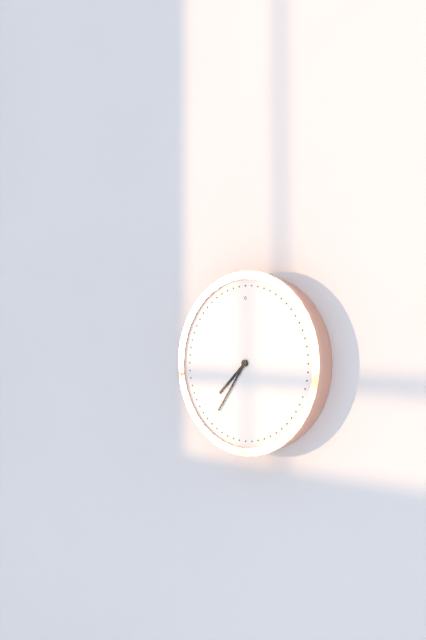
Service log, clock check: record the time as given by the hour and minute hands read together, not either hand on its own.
7:36
